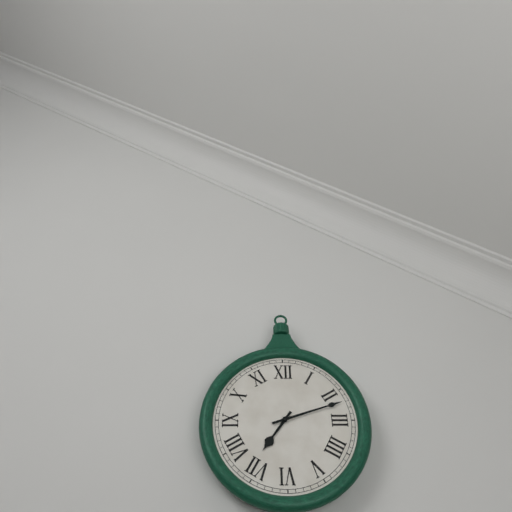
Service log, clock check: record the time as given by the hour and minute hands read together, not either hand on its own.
7:12
